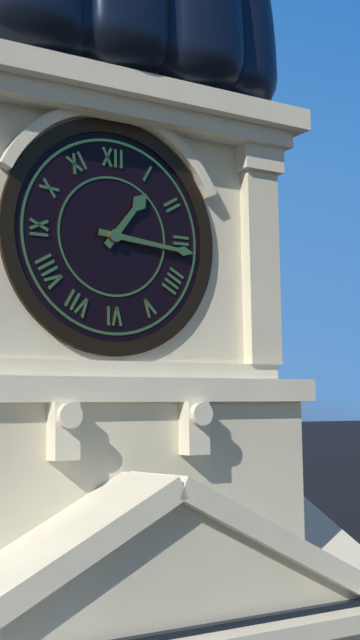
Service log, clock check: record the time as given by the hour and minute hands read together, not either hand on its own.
1:16
